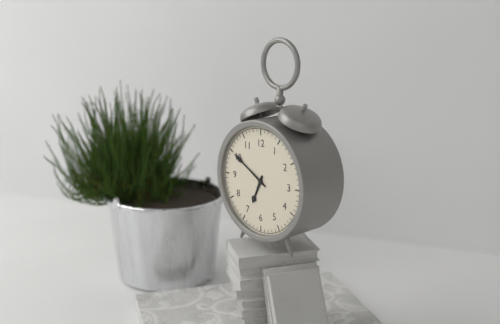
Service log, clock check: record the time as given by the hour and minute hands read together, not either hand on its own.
6:50
